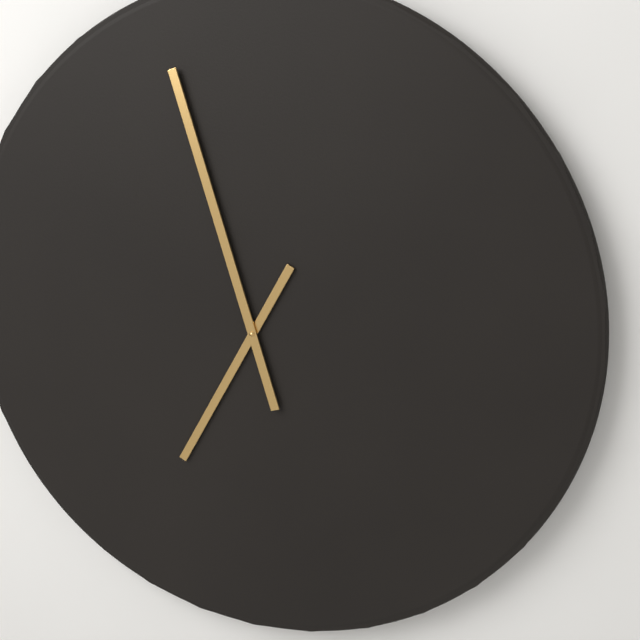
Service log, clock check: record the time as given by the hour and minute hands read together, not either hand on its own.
6:57
